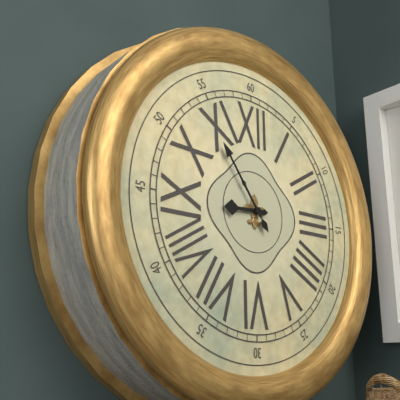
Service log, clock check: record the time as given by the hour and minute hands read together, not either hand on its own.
8:54
